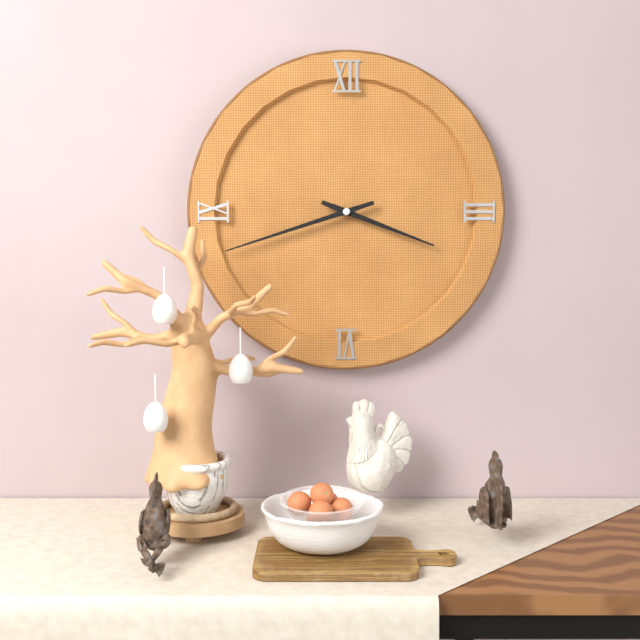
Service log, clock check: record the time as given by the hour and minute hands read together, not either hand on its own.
3:42
